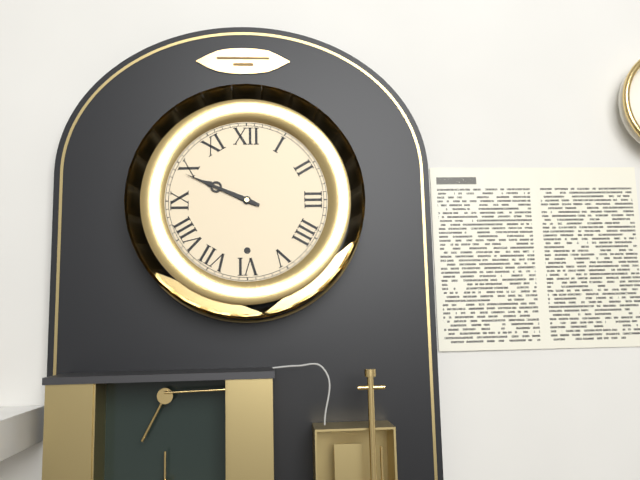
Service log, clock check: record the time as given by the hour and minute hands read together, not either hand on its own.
9:49
